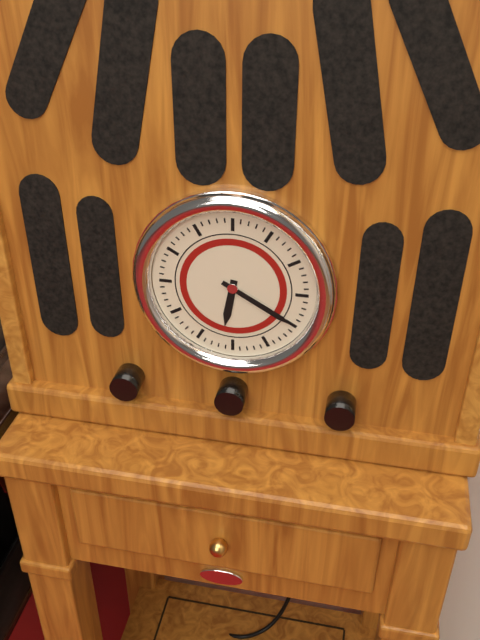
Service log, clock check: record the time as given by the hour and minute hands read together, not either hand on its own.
6:20
